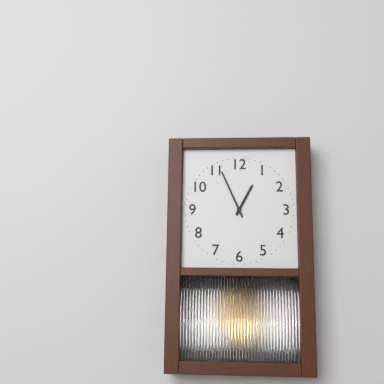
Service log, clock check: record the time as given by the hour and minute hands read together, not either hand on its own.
12:56
